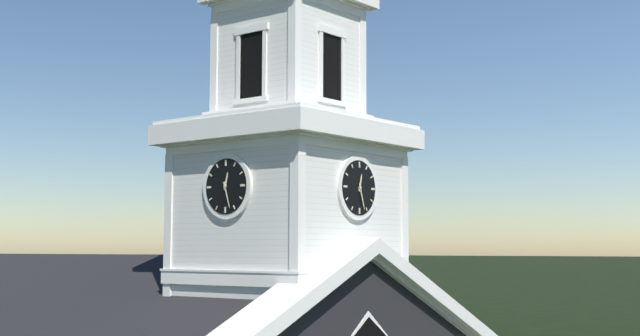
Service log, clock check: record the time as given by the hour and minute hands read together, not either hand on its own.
12:27
